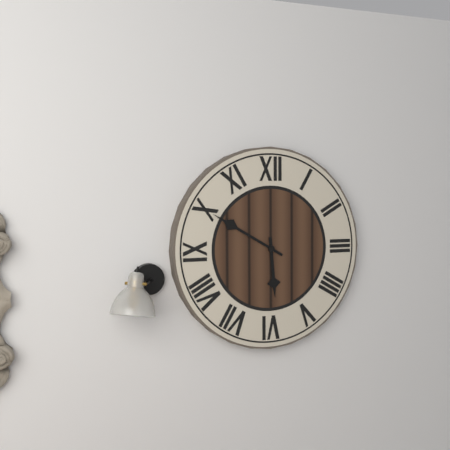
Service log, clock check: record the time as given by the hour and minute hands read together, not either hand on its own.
5:50
